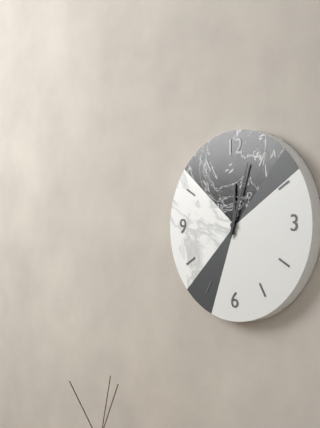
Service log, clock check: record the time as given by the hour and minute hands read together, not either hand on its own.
12:03
